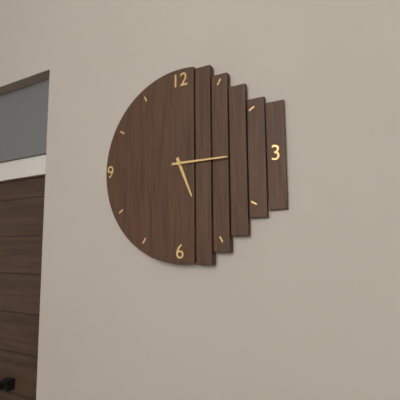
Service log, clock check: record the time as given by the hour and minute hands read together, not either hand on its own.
5:15
